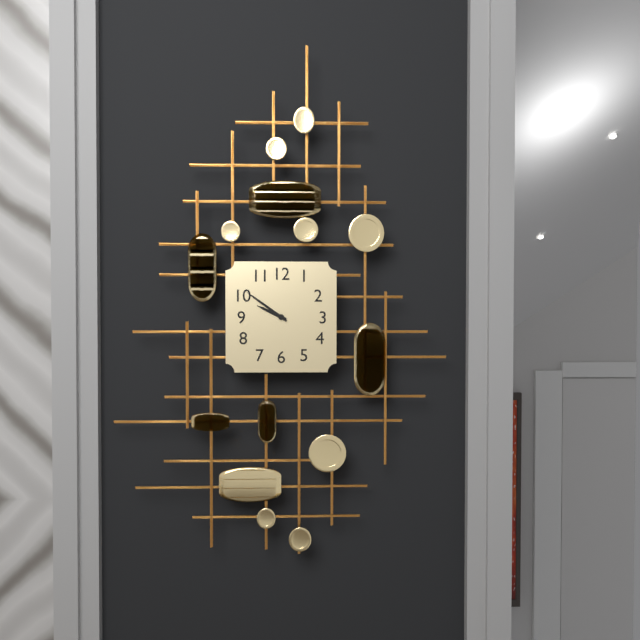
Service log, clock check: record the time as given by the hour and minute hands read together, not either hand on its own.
9:51
